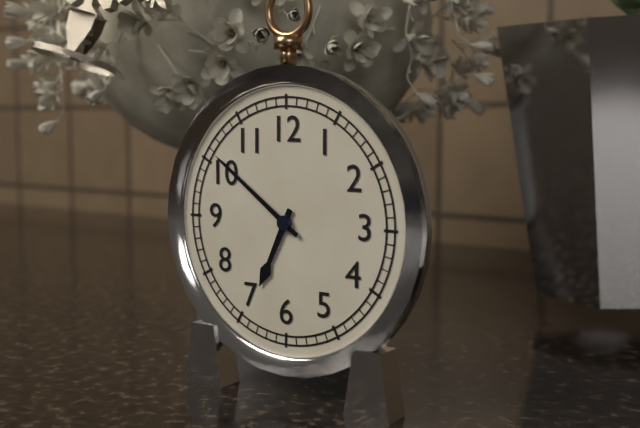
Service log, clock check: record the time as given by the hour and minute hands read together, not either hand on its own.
6:51
